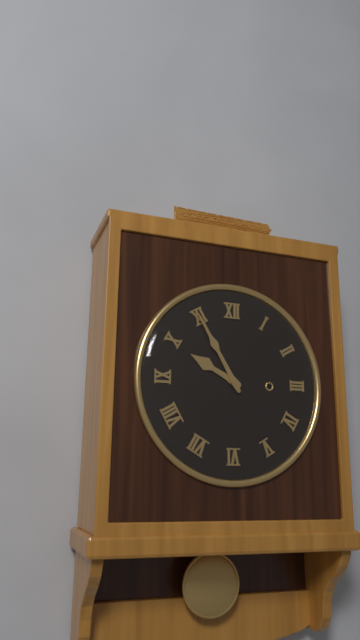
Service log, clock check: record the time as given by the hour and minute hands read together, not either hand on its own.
9:55
